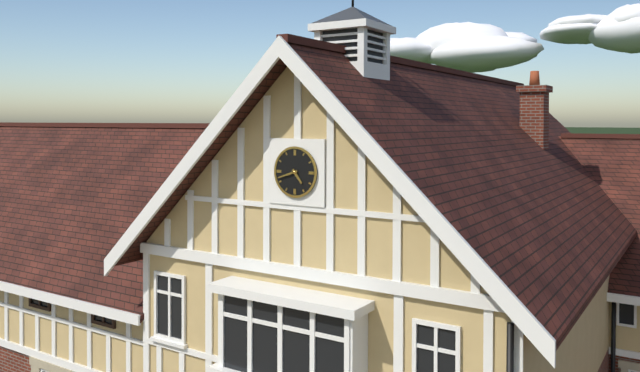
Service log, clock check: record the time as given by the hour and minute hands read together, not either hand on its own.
4:42
